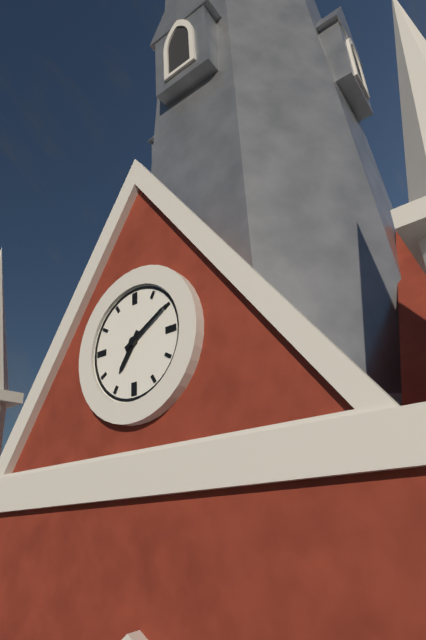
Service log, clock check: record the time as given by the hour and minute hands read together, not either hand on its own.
7:10
